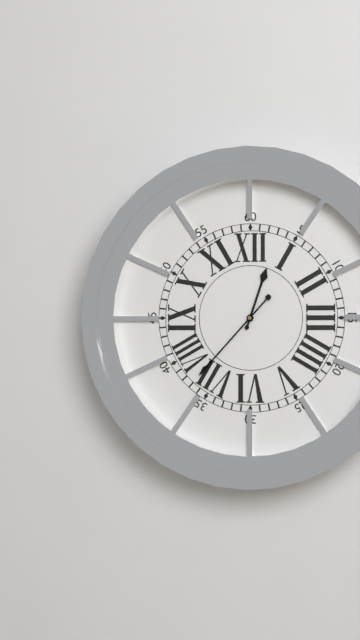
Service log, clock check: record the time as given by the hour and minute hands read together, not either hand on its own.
12:37
